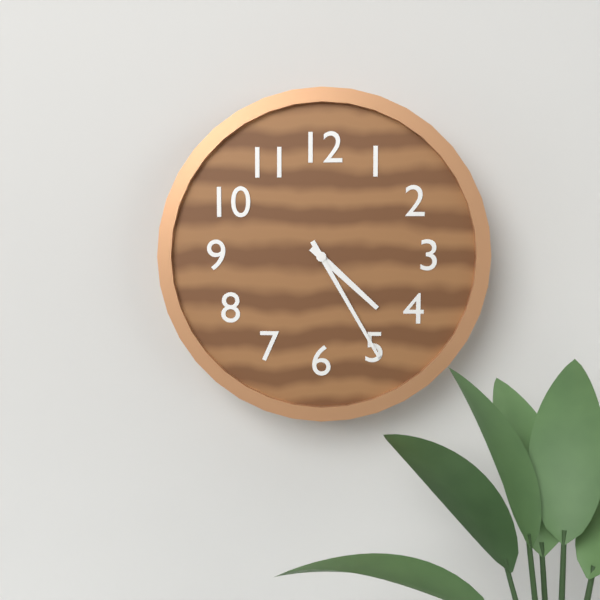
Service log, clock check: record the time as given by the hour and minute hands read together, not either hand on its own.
4:25
